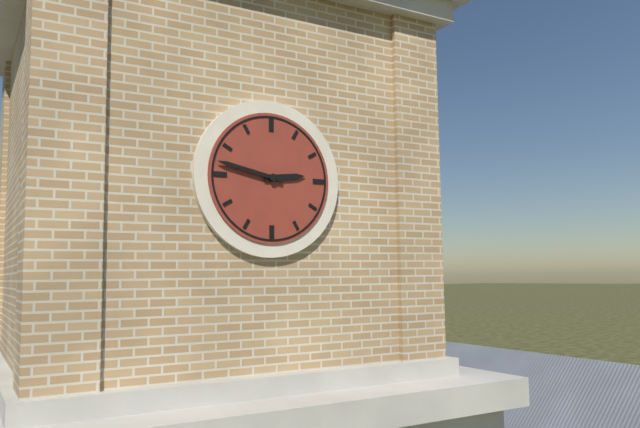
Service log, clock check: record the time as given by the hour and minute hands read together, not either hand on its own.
2:47
